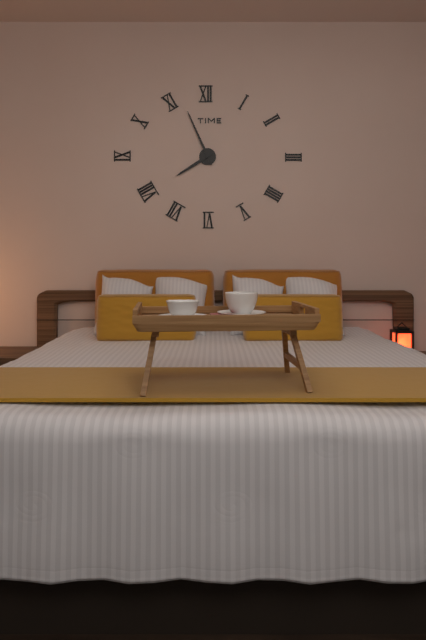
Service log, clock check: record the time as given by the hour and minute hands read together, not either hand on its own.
7:56
